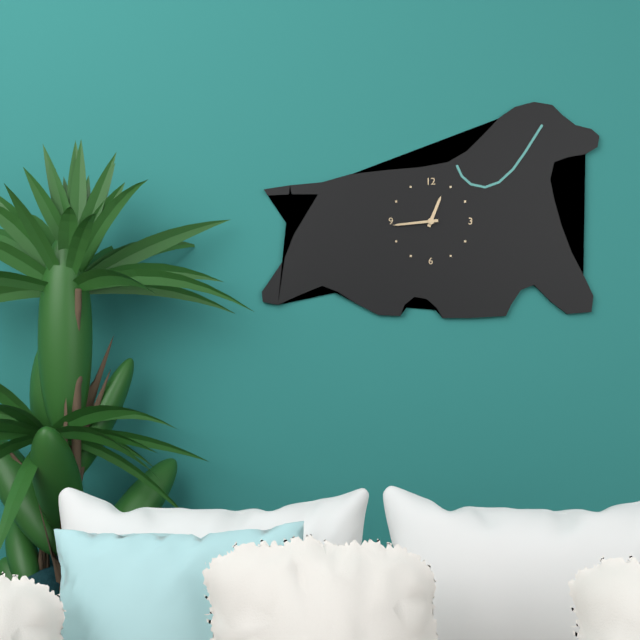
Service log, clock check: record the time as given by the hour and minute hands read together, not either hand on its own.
12:44
